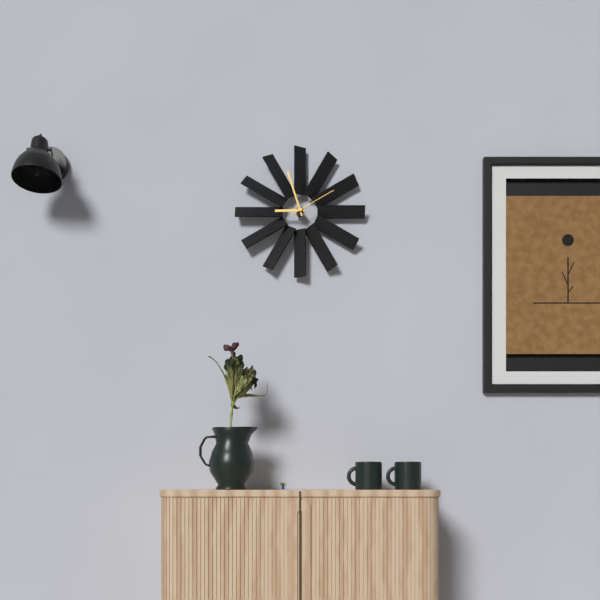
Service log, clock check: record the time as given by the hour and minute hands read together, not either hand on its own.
8:57
